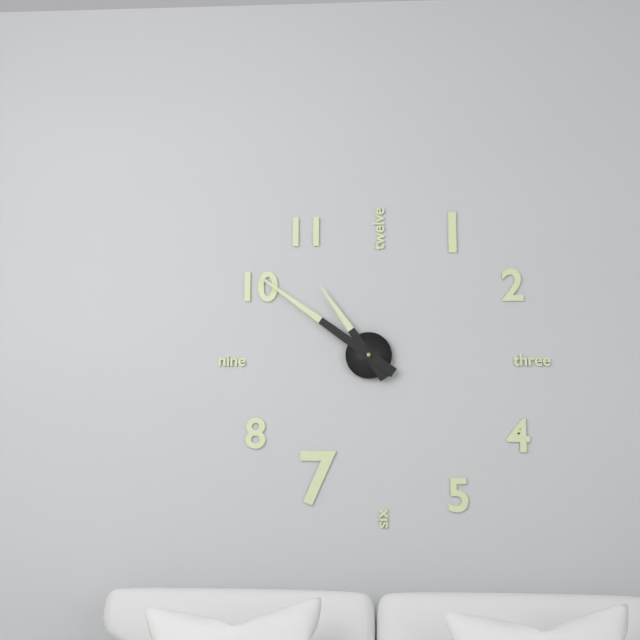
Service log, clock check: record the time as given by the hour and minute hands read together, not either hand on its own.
10:51
